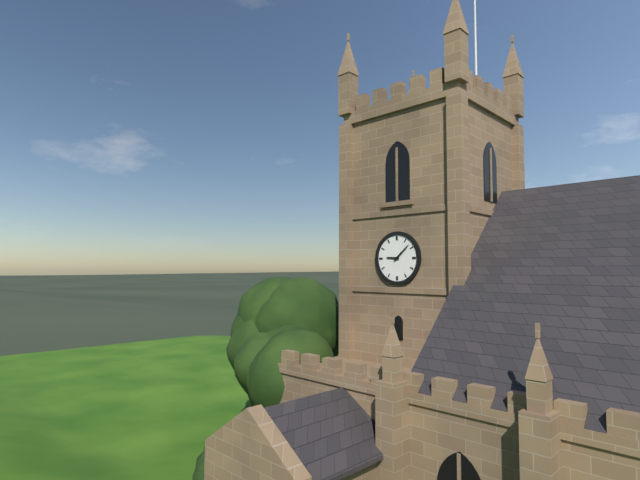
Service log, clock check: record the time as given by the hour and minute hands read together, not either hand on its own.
9:08
